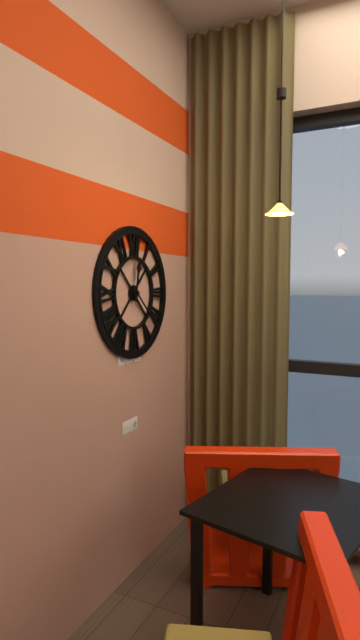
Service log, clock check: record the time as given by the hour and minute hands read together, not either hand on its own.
12:22
